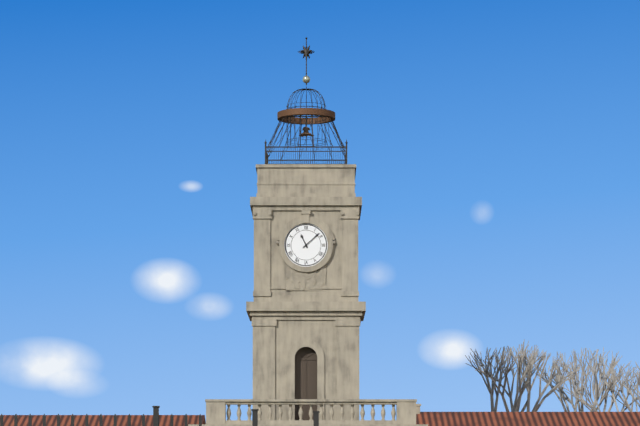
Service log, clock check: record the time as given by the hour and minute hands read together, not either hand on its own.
11:08
